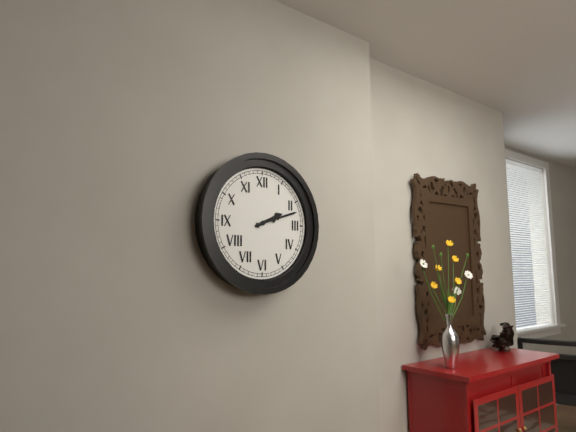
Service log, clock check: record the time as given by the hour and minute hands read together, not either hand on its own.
2:12
